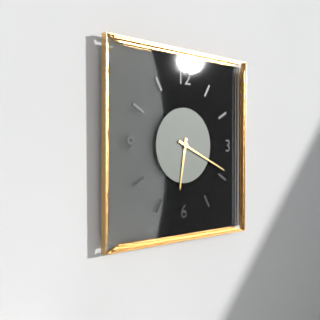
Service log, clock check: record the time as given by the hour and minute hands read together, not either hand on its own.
6:19
